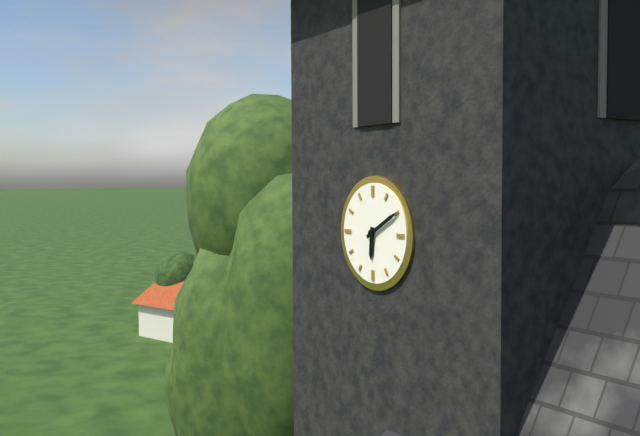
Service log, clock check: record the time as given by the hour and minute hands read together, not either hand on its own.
6:10
